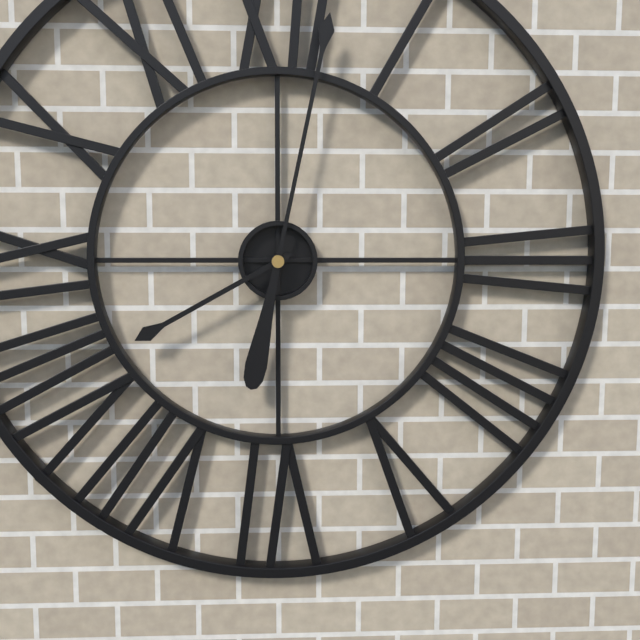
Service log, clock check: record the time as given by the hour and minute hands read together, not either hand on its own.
8:02
